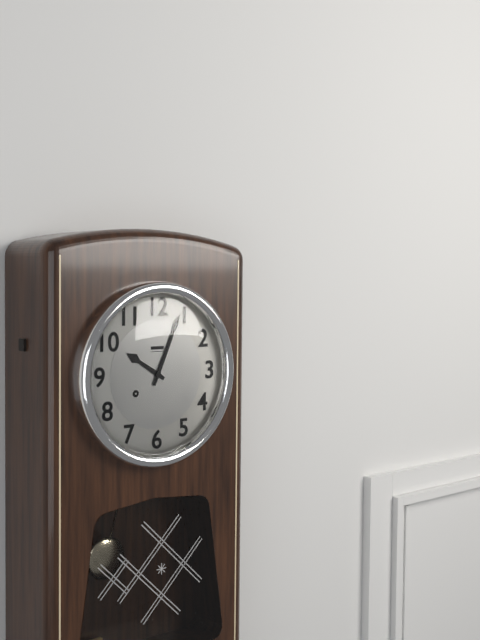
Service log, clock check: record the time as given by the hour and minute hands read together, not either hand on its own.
10:04
